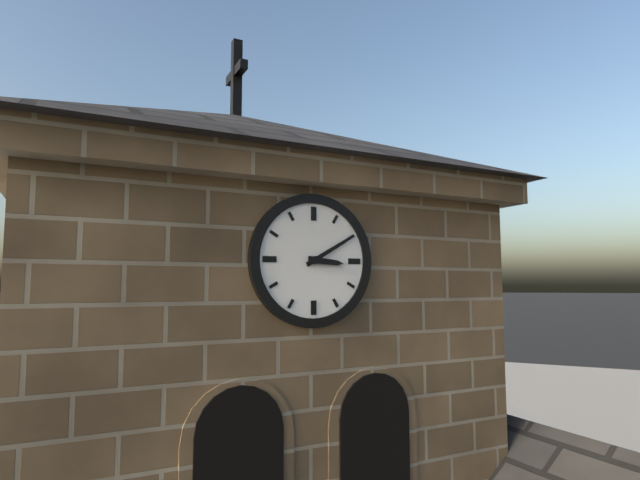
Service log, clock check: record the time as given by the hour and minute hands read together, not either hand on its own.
3:10
